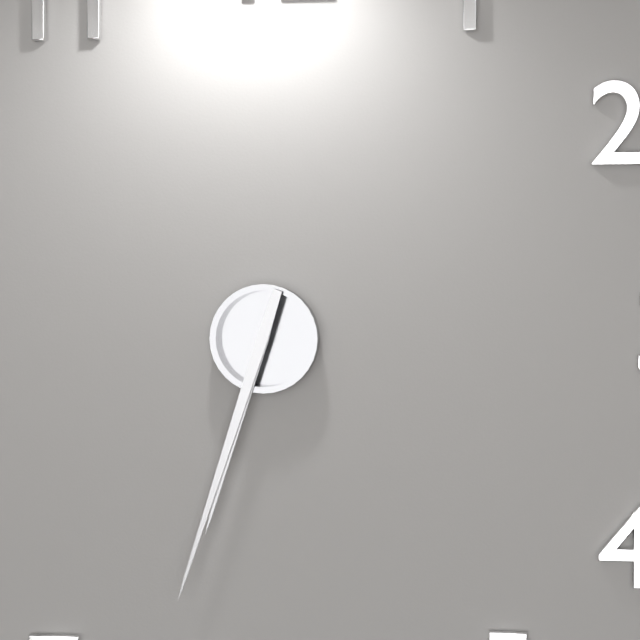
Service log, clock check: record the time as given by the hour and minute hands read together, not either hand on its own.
6:33
